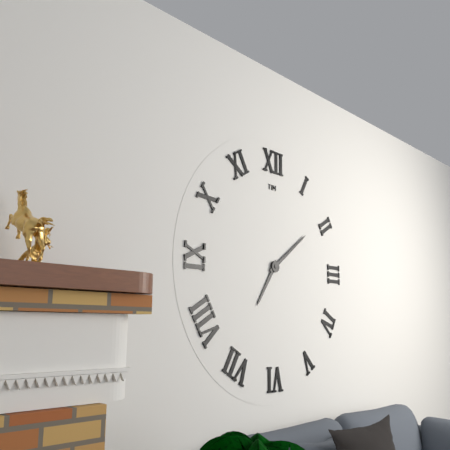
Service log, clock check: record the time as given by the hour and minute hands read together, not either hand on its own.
7:09
